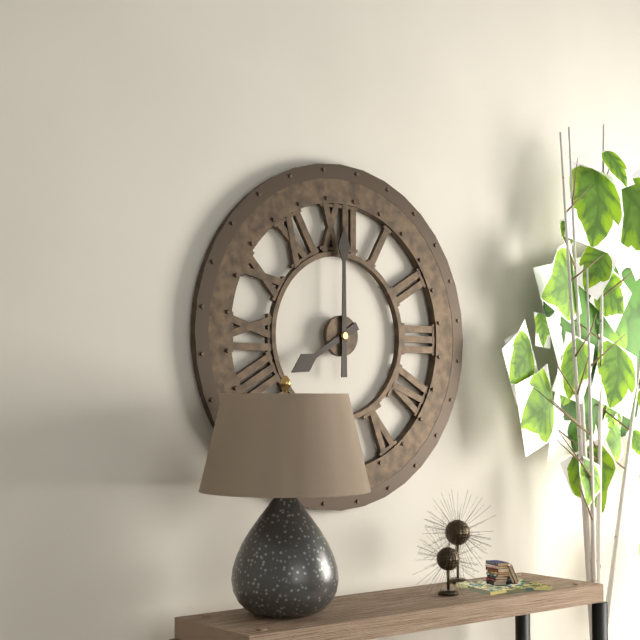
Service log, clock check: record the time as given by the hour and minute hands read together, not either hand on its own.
8:00
